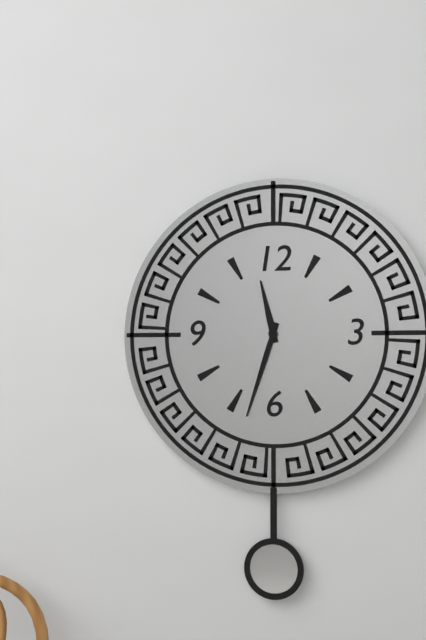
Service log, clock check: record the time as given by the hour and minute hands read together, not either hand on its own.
11:33
